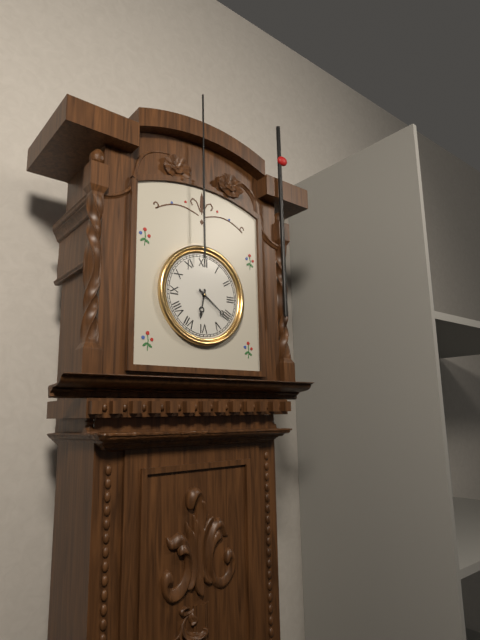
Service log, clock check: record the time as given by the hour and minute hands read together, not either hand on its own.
6:21
